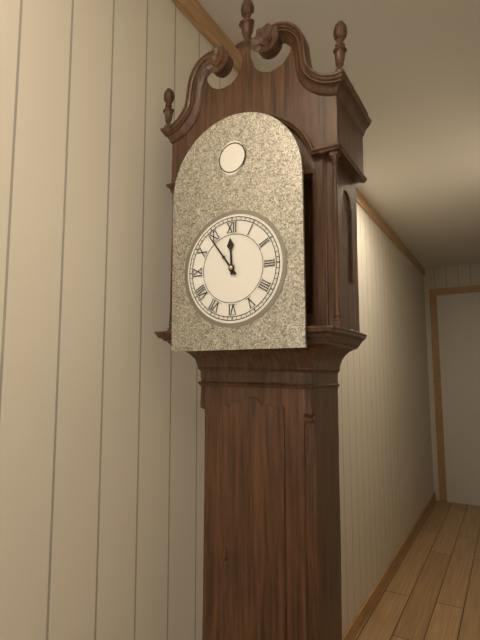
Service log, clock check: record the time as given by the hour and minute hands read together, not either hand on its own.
11:54
